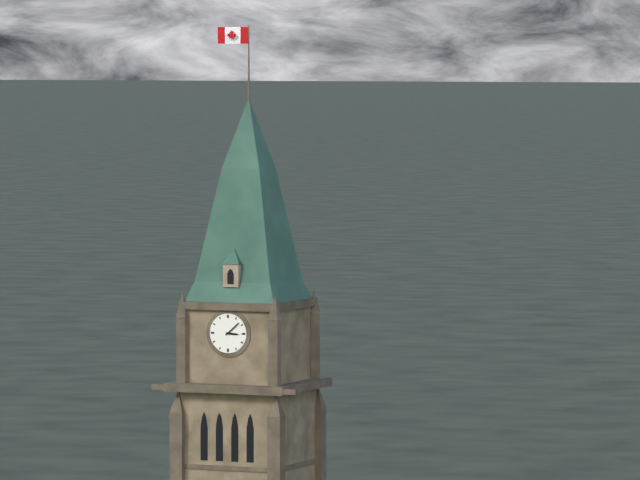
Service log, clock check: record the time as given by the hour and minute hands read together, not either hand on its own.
3:08
